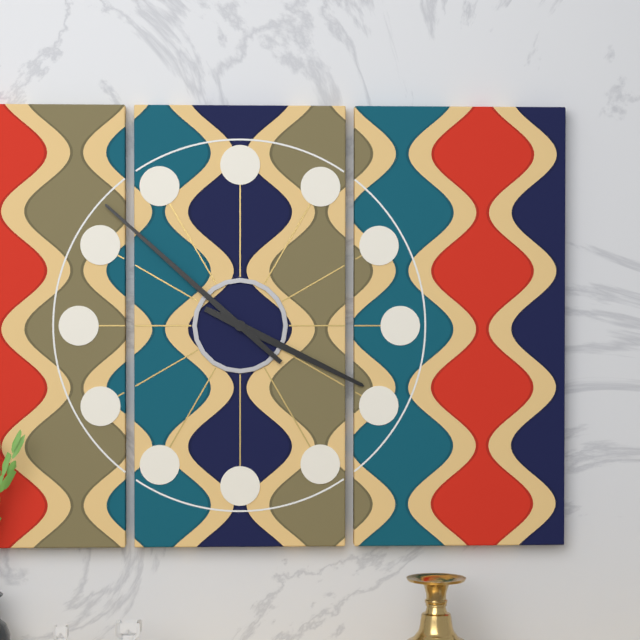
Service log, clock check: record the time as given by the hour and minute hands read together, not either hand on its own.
3:52
